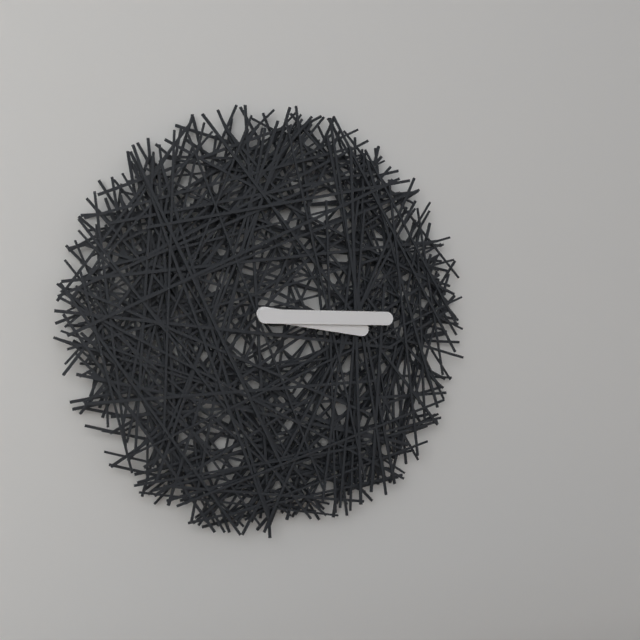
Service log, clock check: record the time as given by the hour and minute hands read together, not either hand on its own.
3:15
